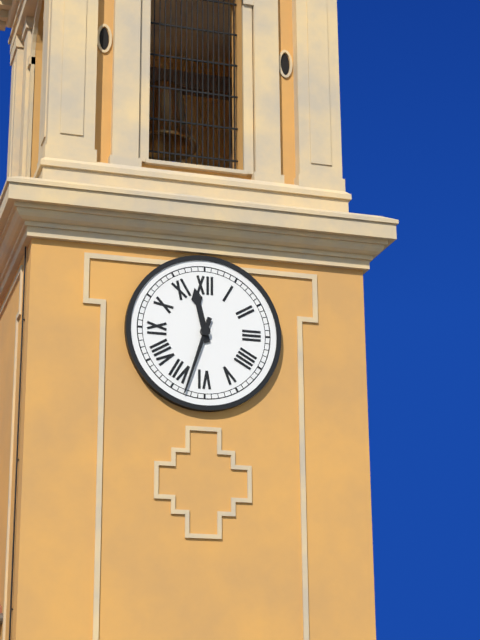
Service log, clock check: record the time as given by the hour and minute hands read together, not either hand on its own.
11:33
